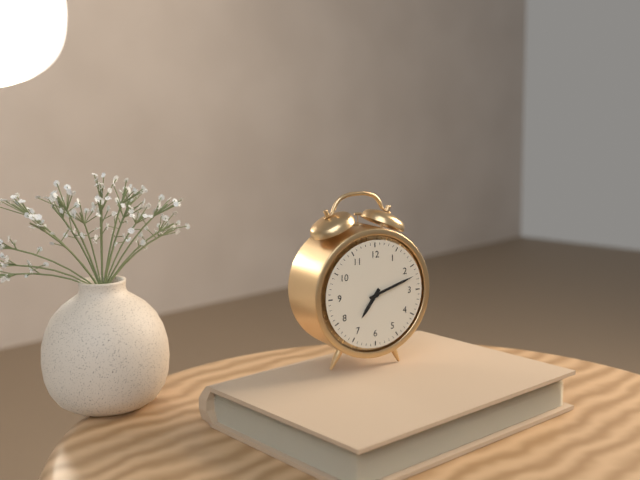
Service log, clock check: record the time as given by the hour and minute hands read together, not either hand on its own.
7:12
